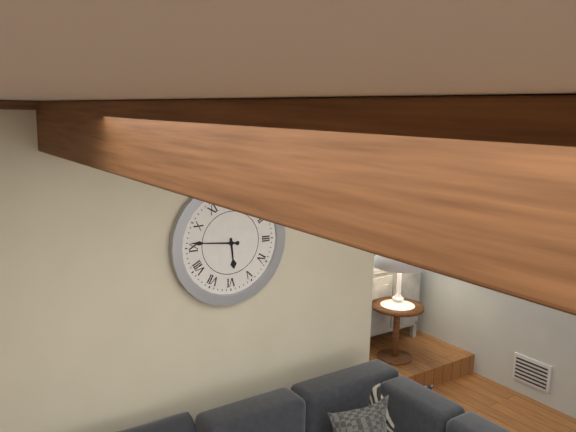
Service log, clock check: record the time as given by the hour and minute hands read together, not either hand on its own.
5:46
